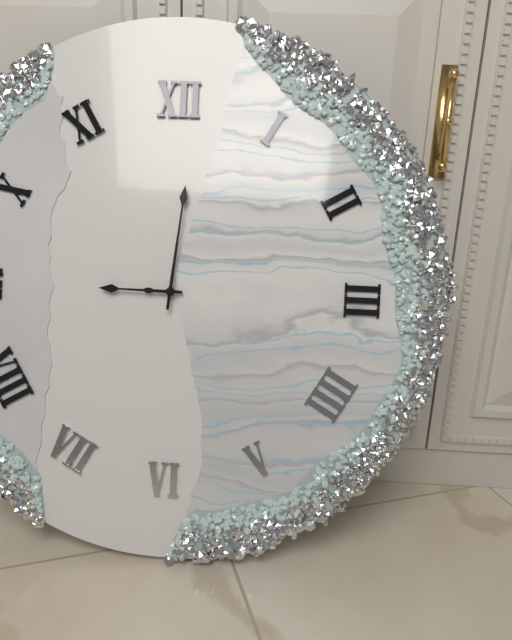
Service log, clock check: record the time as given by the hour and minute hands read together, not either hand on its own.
9:01
